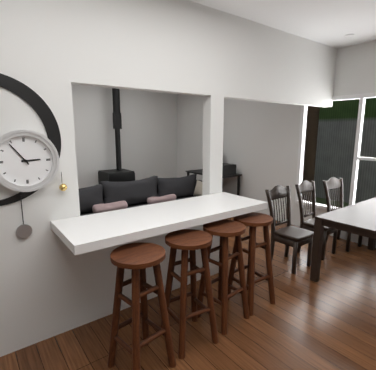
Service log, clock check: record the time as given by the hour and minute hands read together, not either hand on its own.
2:54
